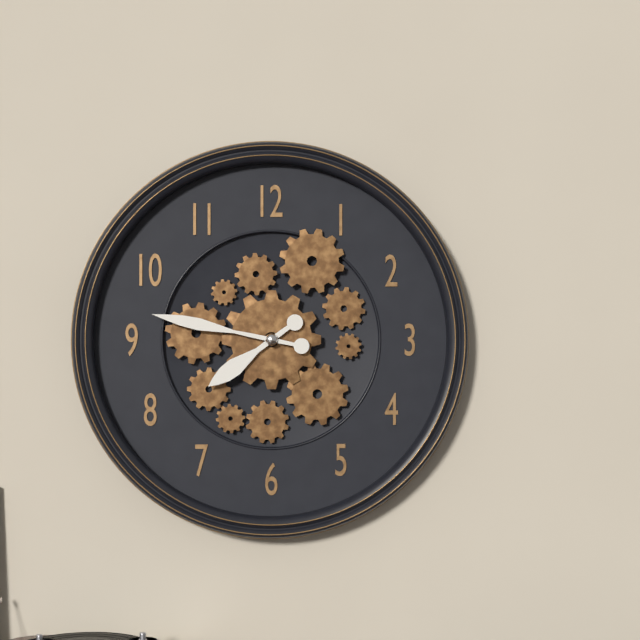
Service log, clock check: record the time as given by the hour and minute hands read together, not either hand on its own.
7:47
